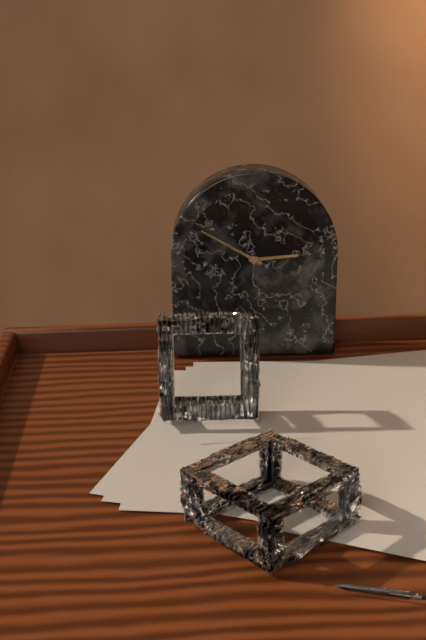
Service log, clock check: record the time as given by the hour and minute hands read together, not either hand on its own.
2:50
